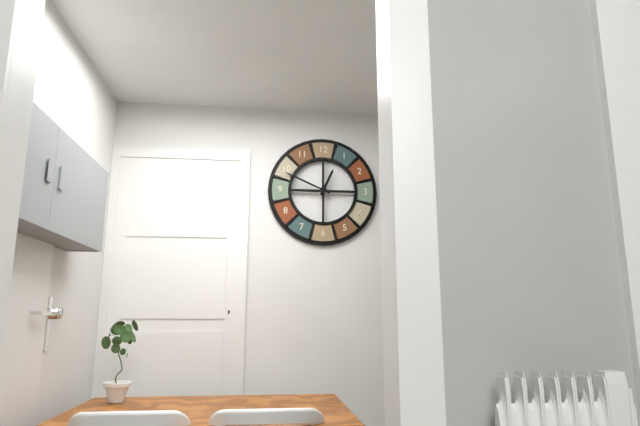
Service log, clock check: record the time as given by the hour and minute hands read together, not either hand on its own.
12:49
